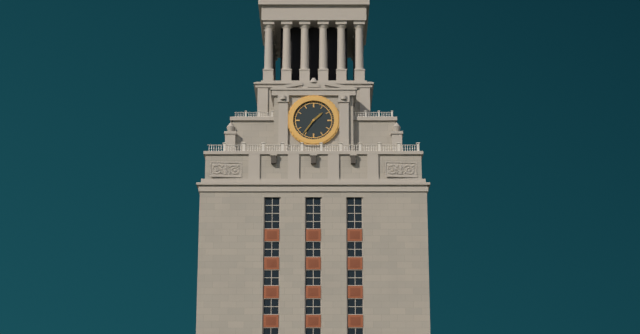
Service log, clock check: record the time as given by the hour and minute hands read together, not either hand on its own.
1:36
